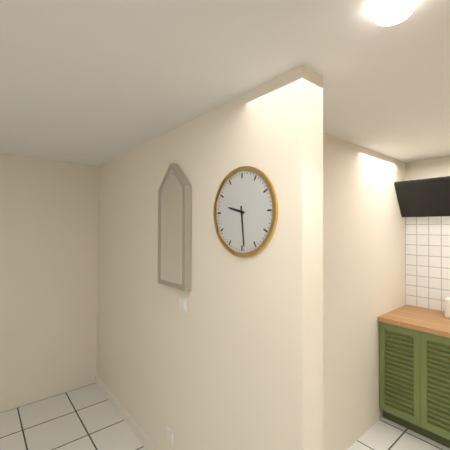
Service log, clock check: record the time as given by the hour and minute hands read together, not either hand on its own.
9:29
